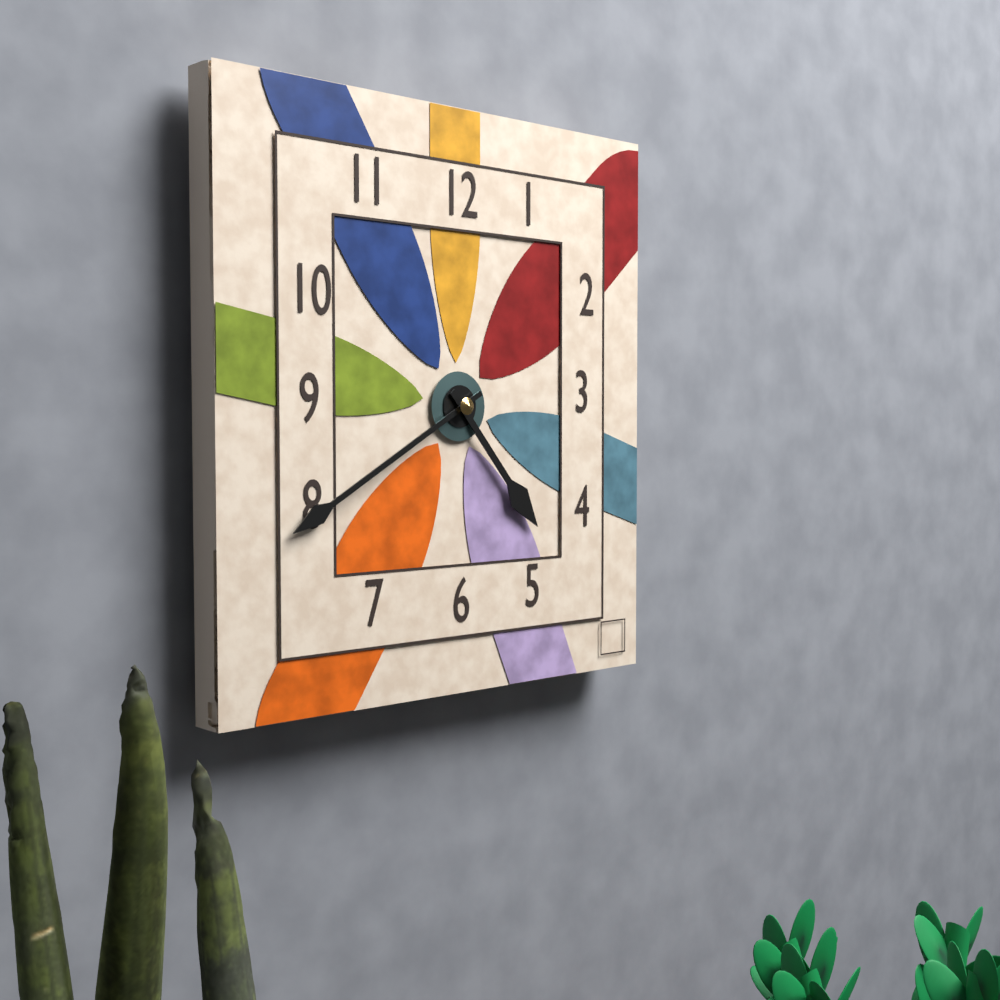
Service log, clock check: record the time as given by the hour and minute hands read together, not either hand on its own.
4:40
